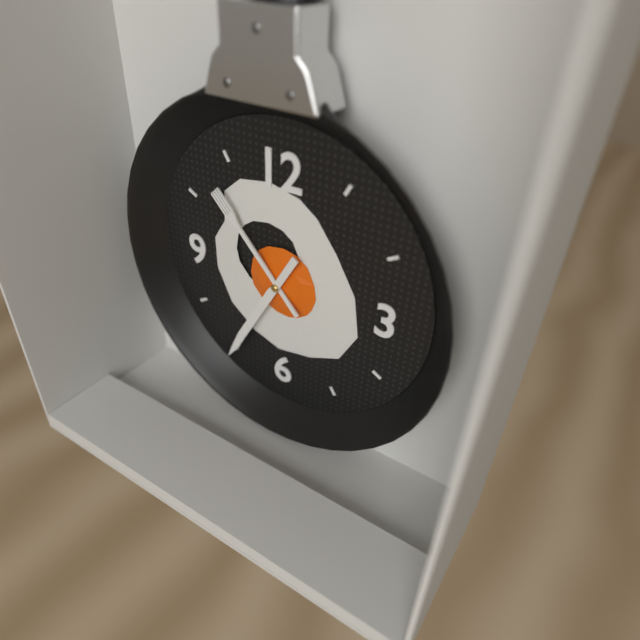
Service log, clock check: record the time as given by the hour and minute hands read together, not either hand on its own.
10:35
